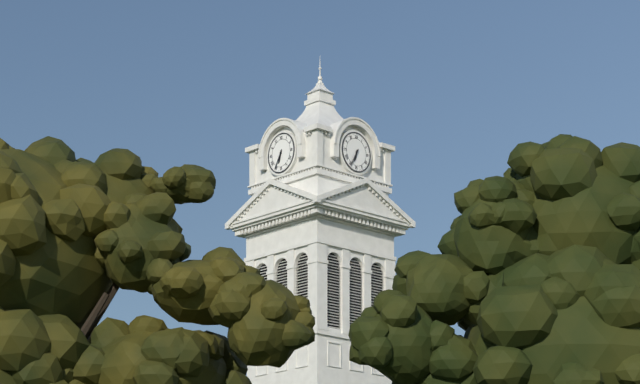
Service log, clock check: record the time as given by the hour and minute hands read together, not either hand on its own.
6:35
